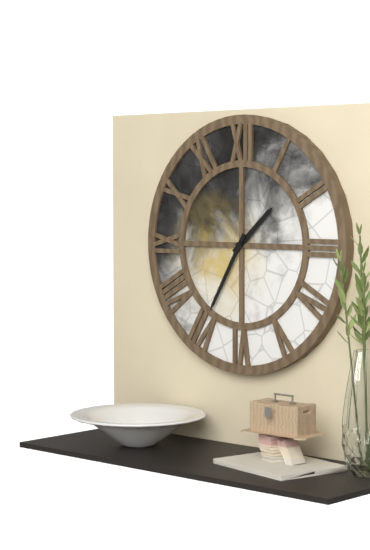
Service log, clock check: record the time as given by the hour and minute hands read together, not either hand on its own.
1:35
